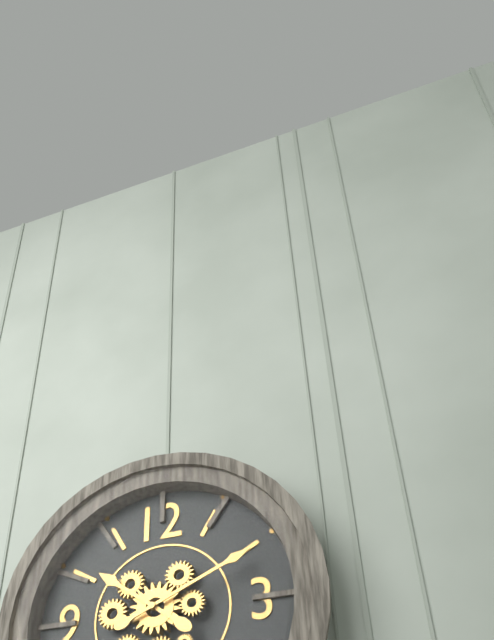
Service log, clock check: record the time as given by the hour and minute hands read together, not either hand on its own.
10:11
